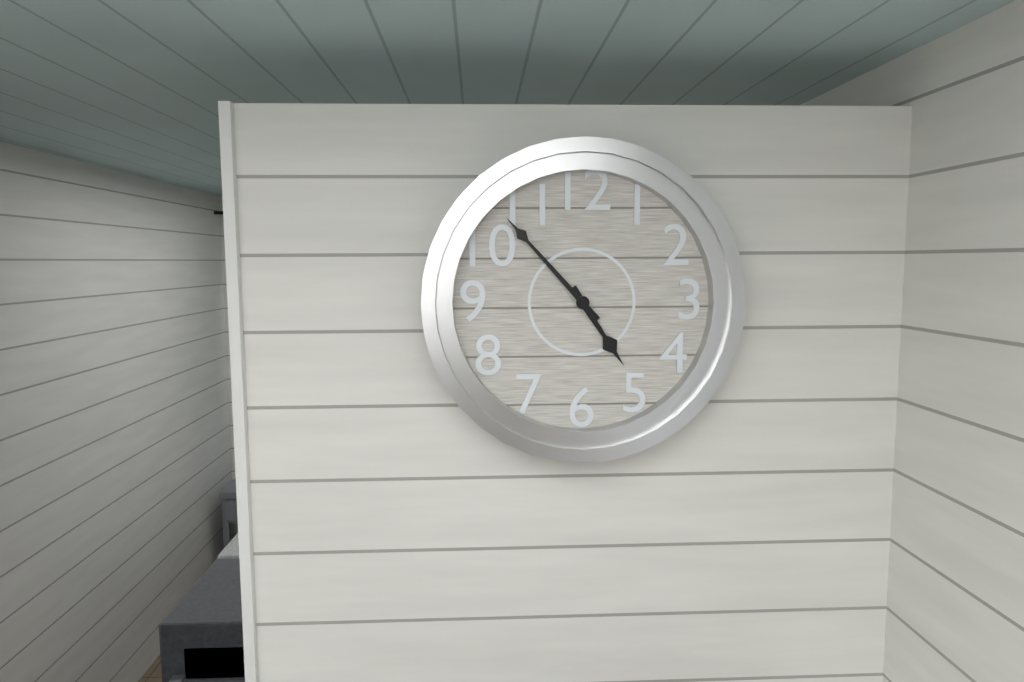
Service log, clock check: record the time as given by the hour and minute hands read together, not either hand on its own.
4:53
